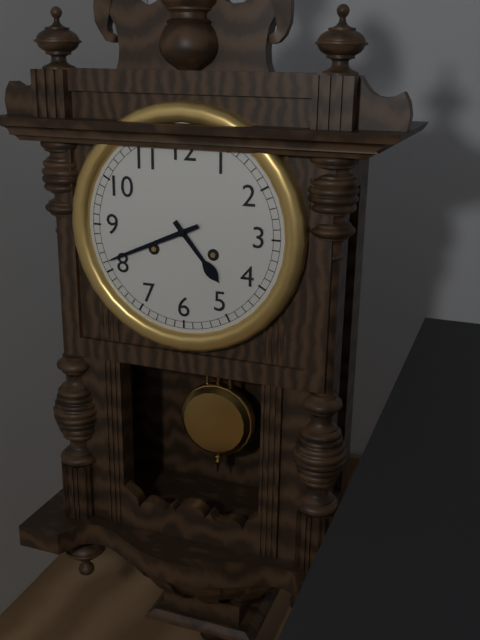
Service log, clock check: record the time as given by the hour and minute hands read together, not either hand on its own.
4:41
